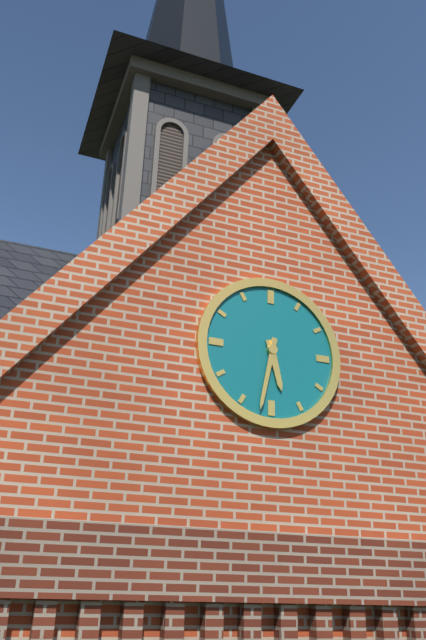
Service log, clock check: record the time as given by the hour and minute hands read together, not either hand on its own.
5:32
